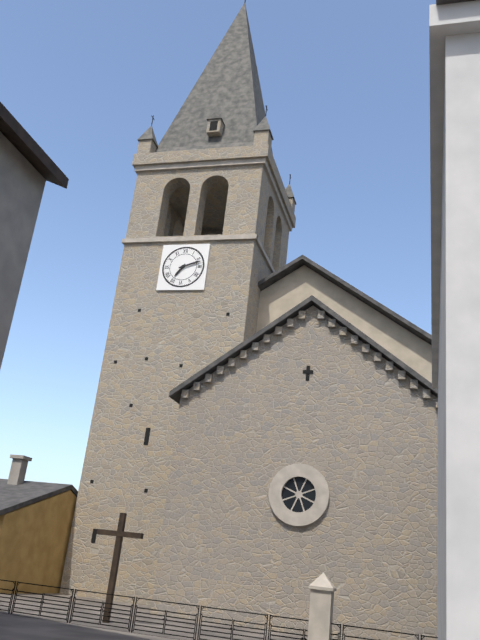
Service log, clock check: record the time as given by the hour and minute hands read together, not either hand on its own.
7:12
